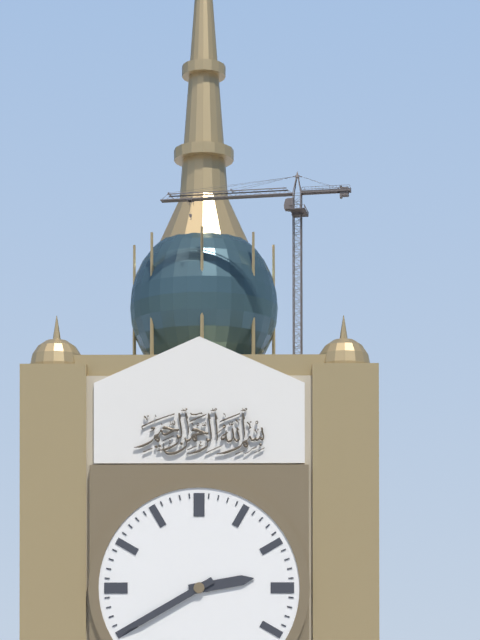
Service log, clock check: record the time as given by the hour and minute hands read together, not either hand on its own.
2:40
